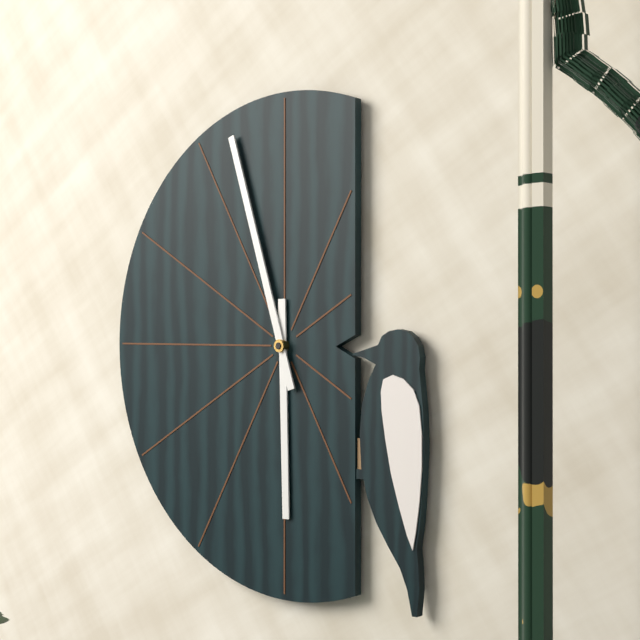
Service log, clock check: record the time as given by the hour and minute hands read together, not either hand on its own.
5:57
